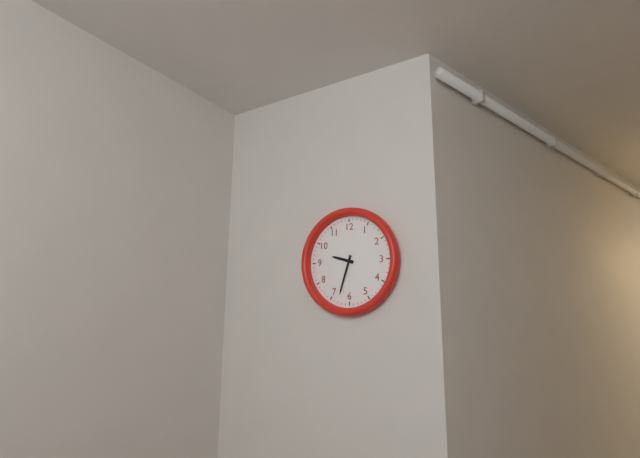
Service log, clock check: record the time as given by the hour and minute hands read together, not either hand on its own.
9:33
